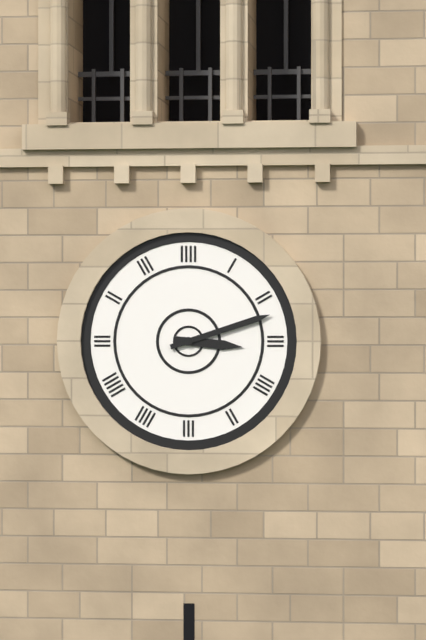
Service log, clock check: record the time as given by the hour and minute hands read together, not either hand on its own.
3:12
